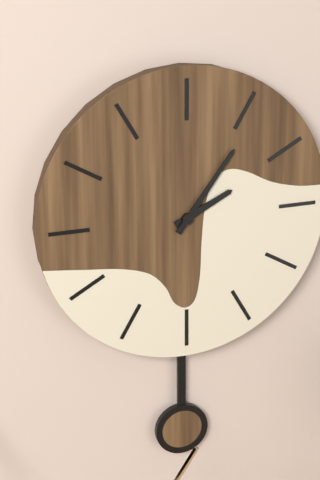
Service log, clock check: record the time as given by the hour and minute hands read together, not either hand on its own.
2:06
